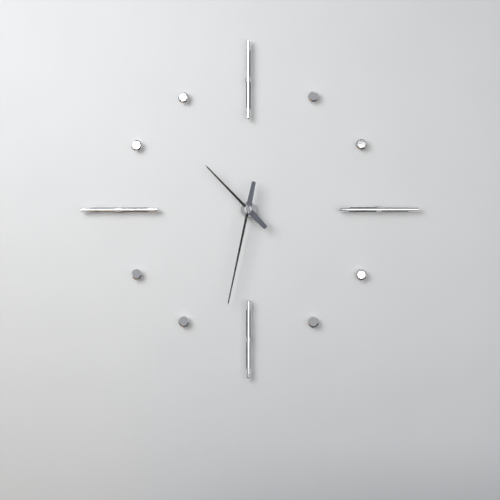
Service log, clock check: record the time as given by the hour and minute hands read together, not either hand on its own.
10:32
